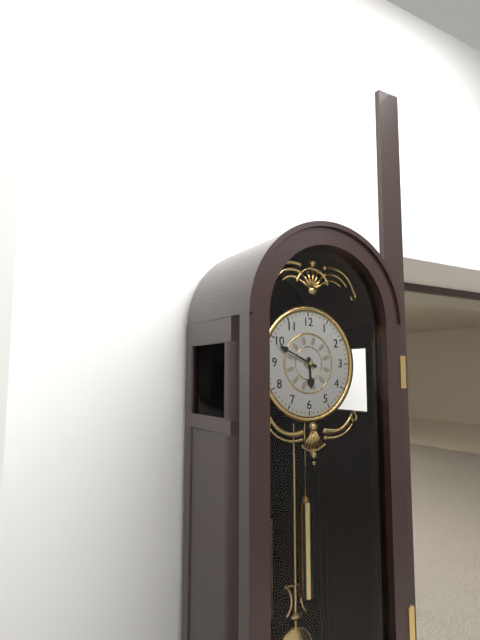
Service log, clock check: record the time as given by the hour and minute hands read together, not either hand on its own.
5:49
